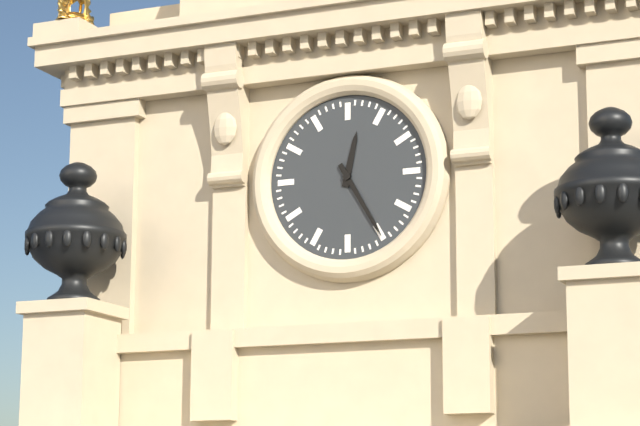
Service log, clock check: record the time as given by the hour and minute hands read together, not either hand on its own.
12:25
